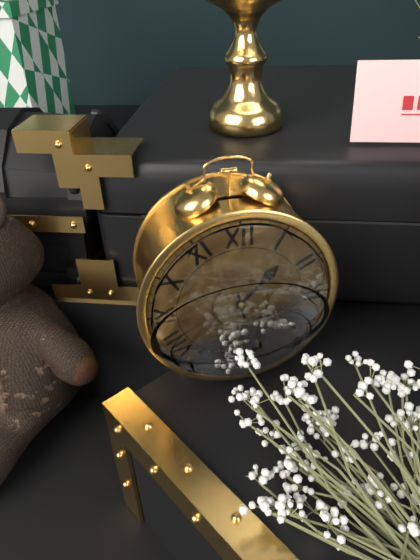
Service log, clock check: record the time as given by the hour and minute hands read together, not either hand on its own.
1:28
